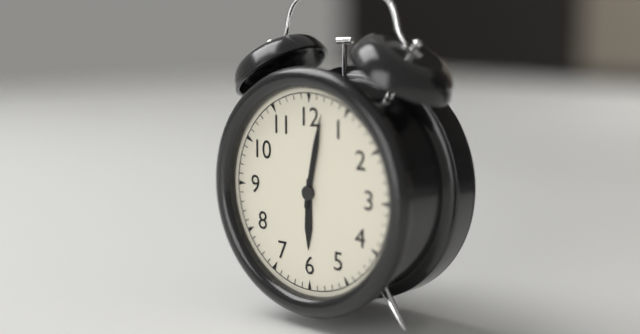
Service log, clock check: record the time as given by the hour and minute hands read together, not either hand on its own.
6:02
